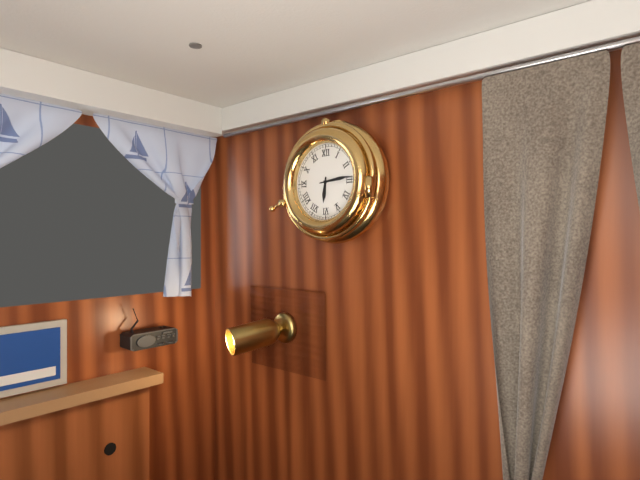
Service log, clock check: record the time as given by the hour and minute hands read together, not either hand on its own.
6:14
